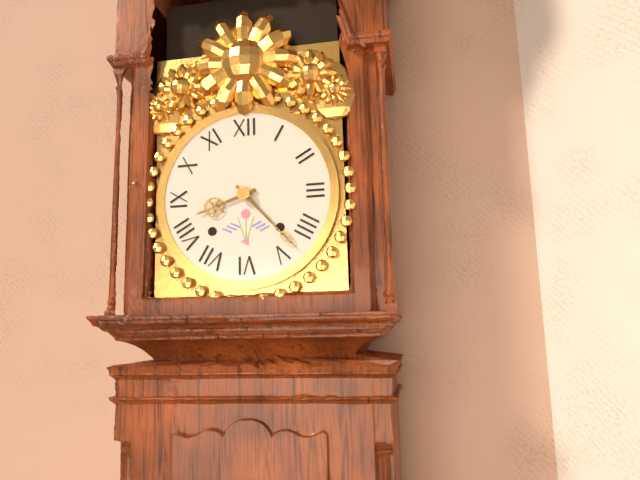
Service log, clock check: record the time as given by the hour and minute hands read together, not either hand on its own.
8:23
